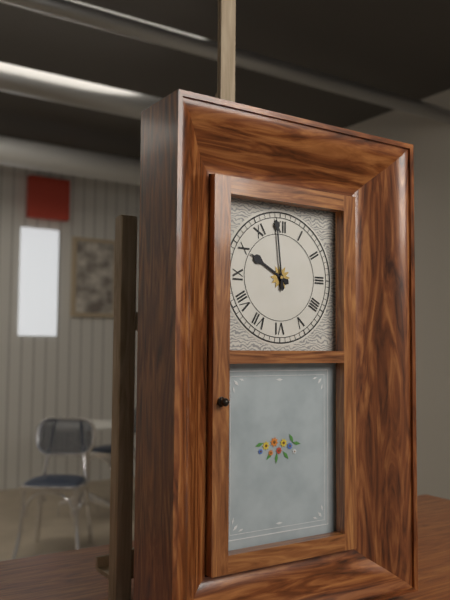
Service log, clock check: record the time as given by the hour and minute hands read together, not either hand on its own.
9:59
